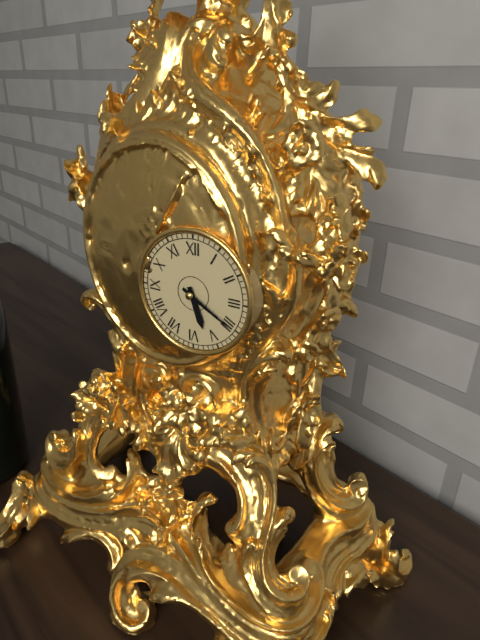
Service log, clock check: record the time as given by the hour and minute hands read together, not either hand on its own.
5:20
